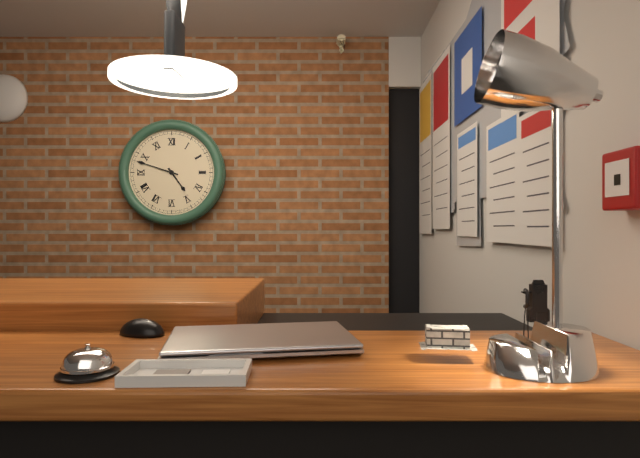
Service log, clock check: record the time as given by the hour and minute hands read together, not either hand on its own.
4:48
